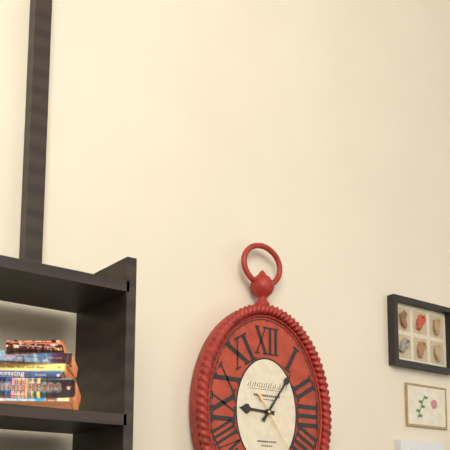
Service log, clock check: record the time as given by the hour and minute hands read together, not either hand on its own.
9:06
